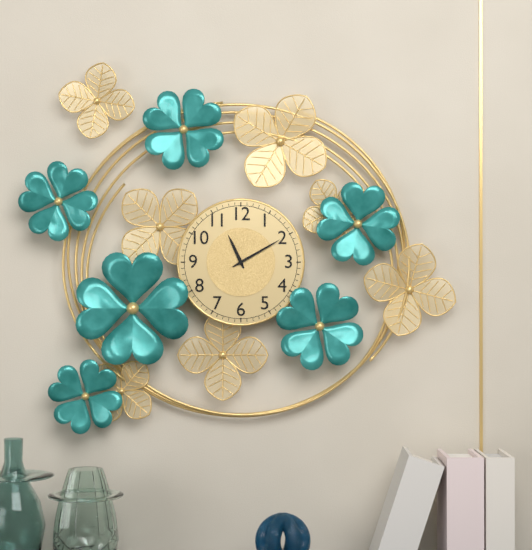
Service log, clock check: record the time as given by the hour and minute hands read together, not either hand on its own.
11:10
